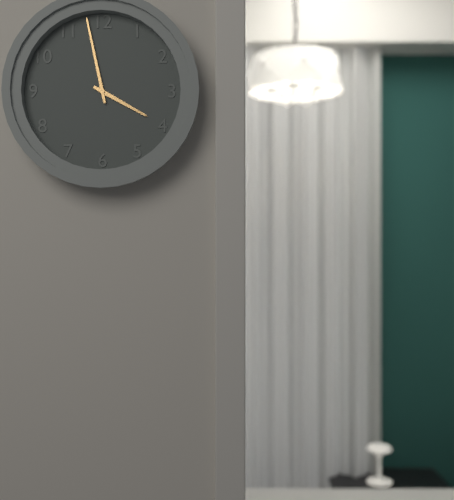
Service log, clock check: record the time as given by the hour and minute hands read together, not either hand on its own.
3:58
